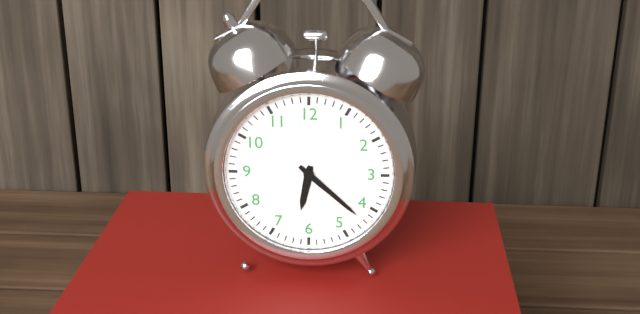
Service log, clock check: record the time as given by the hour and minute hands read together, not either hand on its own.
6:22
